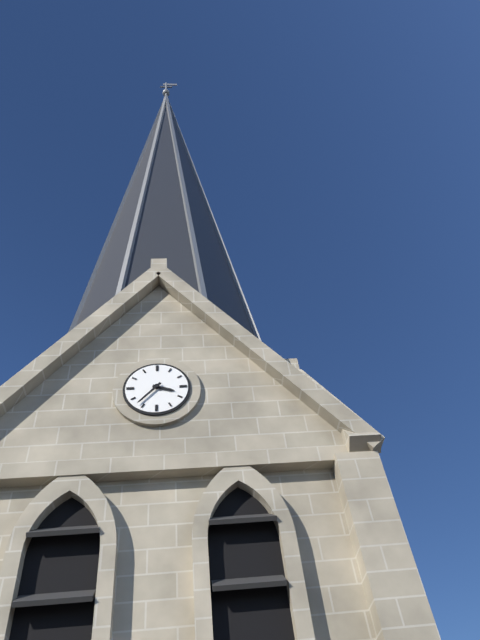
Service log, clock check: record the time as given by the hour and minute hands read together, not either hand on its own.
3:37
